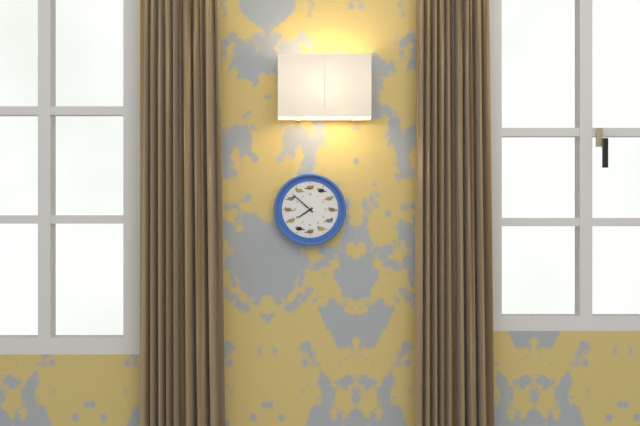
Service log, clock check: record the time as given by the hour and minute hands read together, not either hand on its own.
7:52
